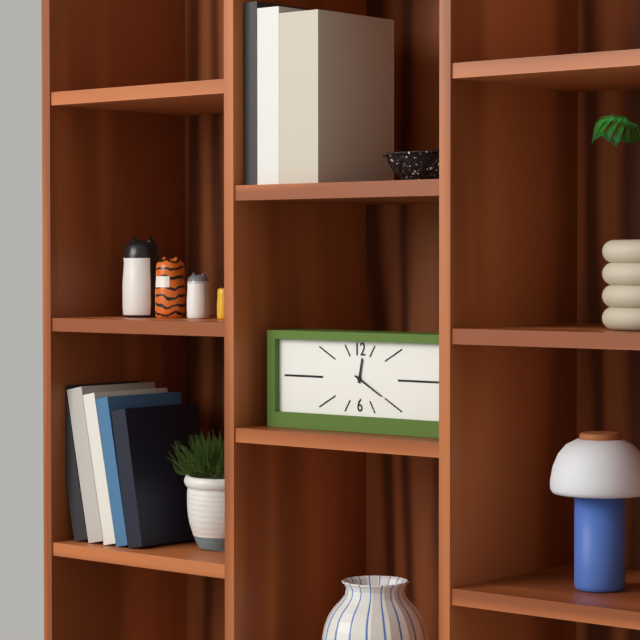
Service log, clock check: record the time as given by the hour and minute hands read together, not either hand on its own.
12:20
